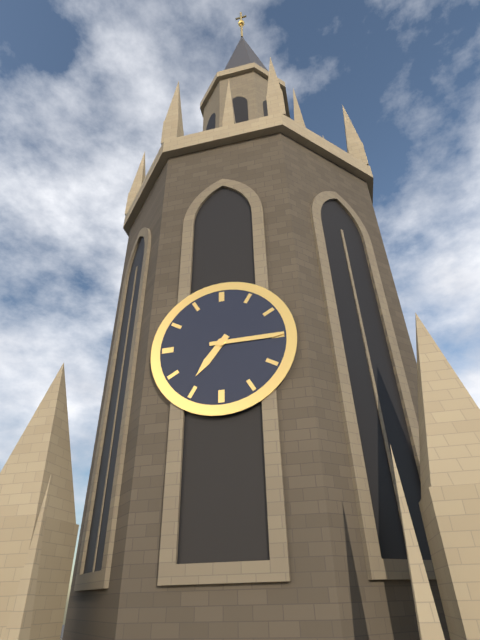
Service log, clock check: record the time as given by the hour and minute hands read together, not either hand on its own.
7:15
